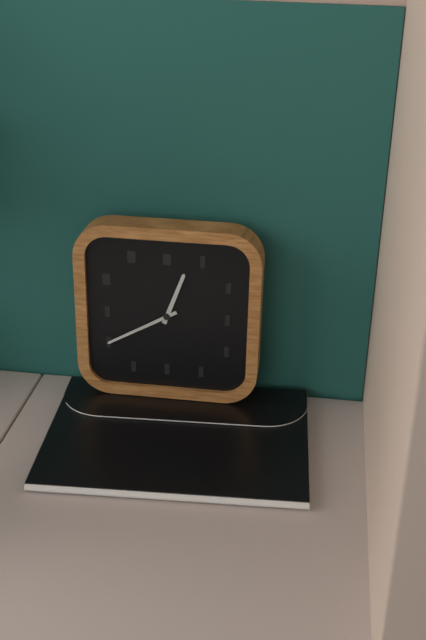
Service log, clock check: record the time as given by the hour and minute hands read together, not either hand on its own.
12:40
